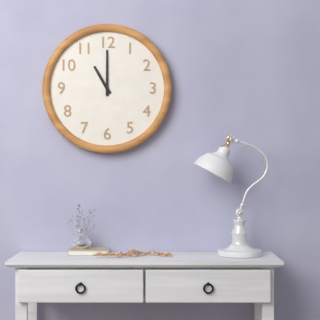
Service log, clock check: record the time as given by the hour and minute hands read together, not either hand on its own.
11:00
